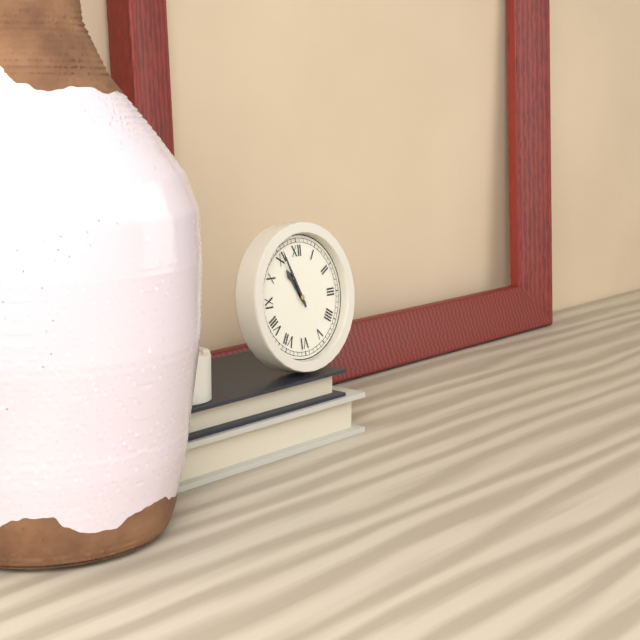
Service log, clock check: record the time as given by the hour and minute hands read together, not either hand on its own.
10:56
